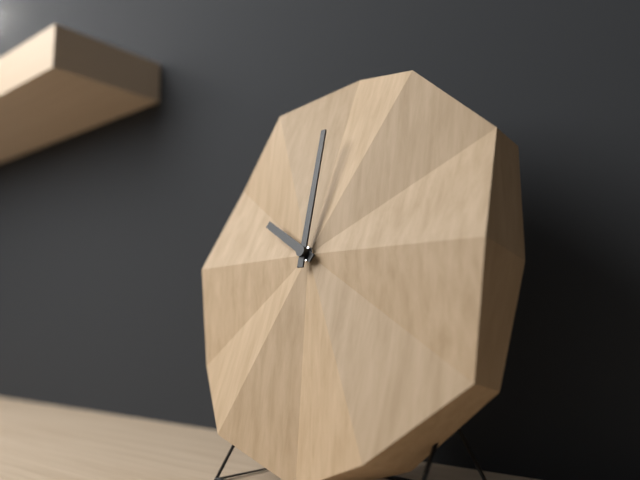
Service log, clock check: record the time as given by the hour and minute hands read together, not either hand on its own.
10:00
